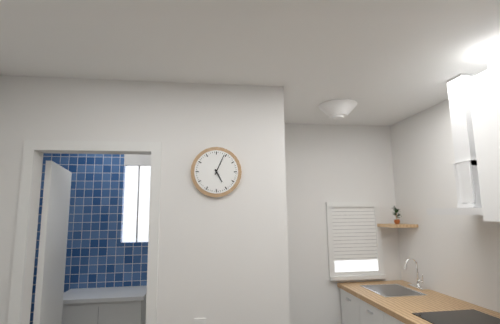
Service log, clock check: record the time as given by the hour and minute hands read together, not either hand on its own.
5:04
